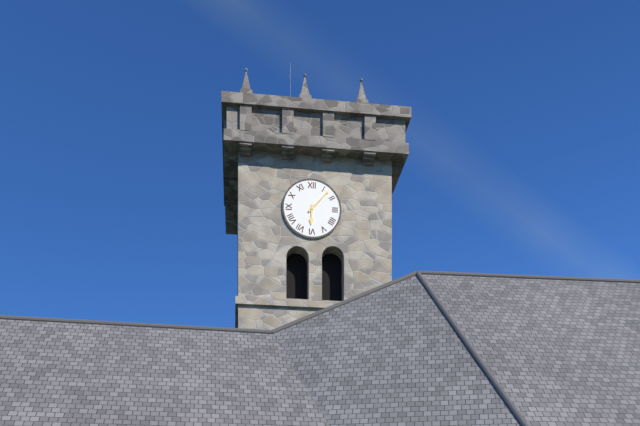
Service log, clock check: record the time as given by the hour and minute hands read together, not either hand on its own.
6:07
